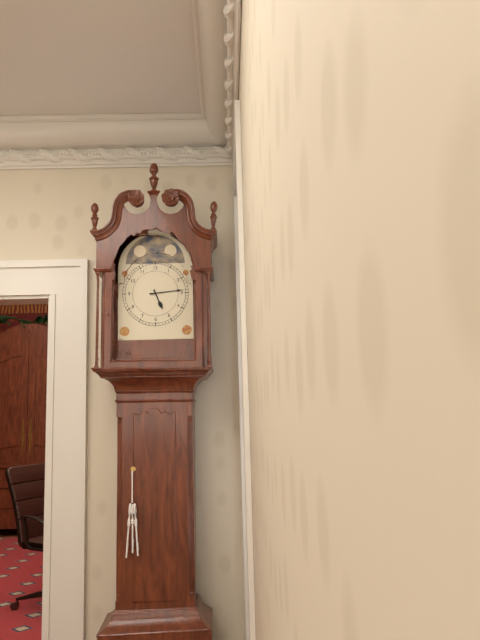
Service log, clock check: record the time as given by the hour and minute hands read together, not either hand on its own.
5:14
